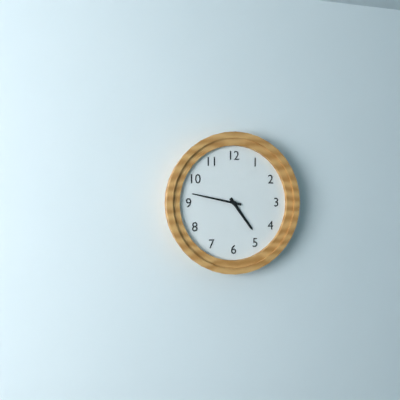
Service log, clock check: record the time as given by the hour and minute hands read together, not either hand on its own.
4:47
